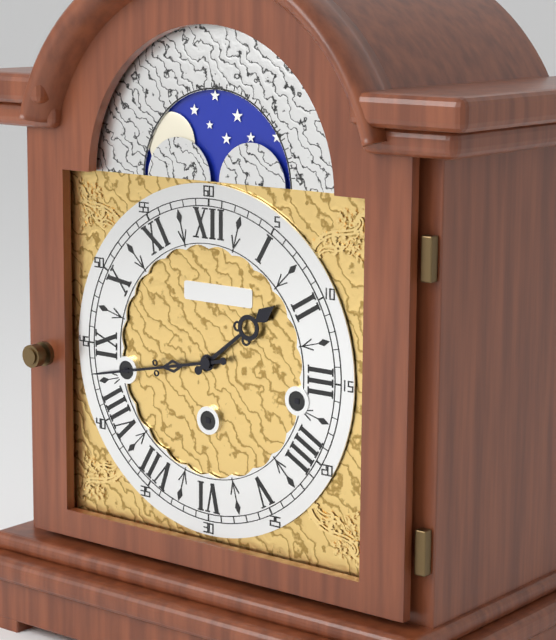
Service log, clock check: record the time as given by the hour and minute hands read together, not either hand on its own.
1:43
